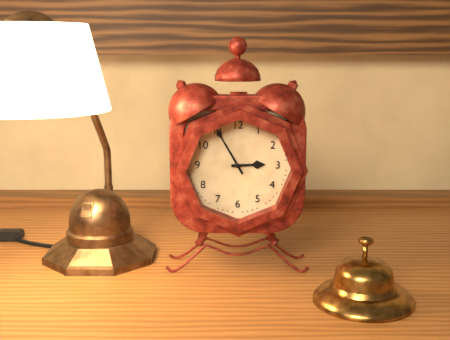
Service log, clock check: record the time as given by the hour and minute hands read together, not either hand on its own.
2:55
